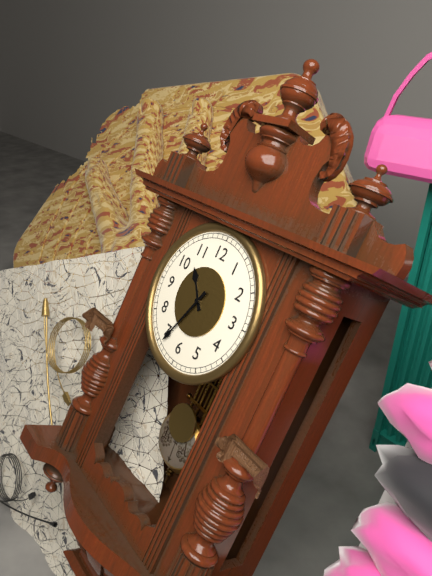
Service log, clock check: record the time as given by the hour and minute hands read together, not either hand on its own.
10:34
